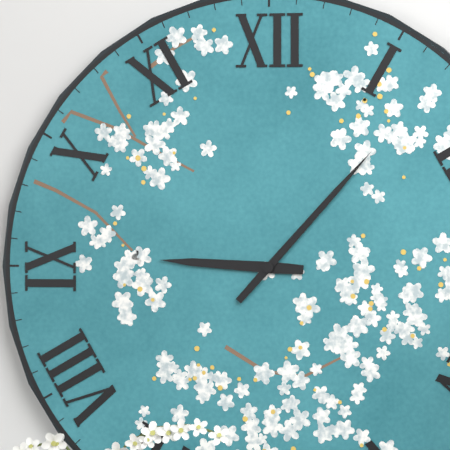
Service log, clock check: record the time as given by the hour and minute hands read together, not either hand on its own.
9:07
